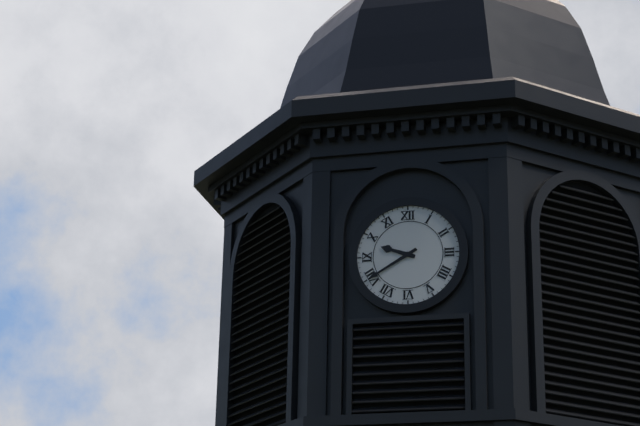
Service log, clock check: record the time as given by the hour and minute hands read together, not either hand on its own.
9:40
